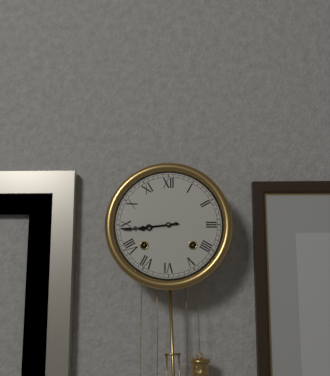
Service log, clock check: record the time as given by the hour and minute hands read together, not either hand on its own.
8:44
